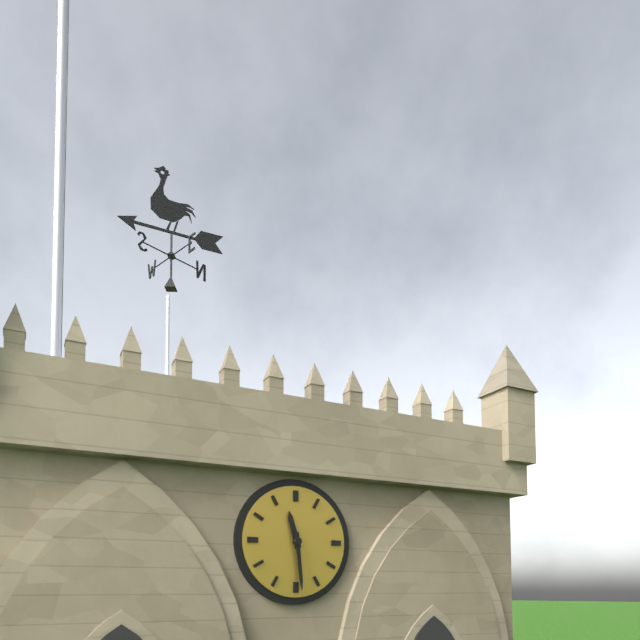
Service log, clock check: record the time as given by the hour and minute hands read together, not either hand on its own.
11:29
